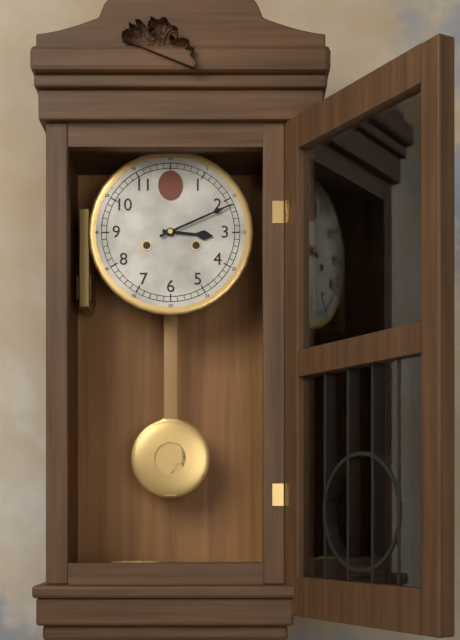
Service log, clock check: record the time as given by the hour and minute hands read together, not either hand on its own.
3:11
